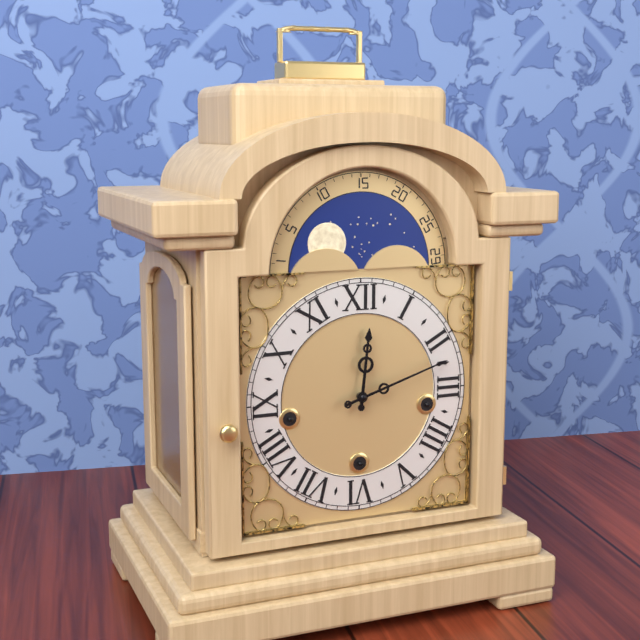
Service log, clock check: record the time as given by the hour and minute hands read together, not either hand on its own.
12:12
